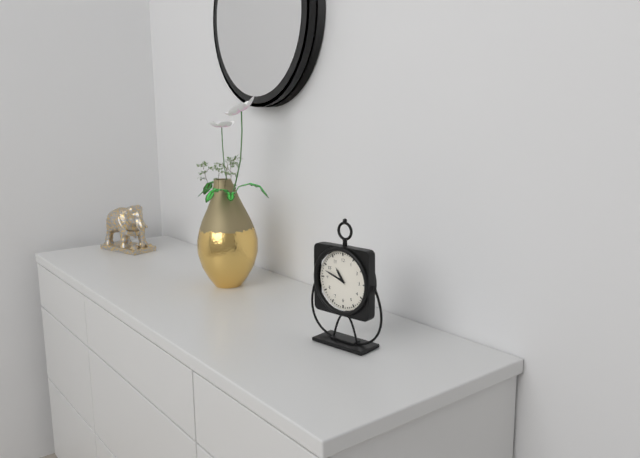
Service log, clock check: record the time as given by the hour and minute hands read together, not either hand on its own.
10:48
